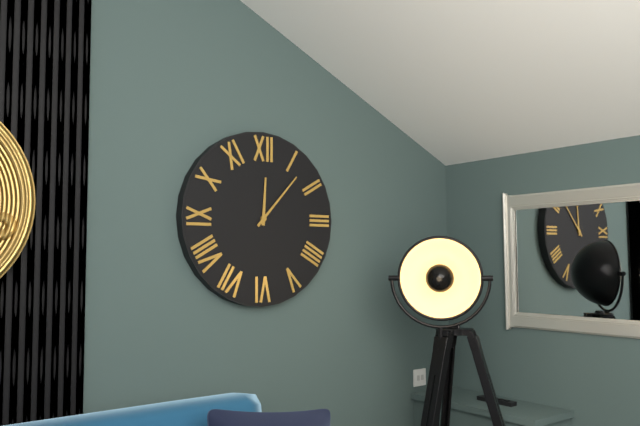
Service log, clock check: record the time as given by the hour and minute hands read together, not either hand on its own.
12:07
